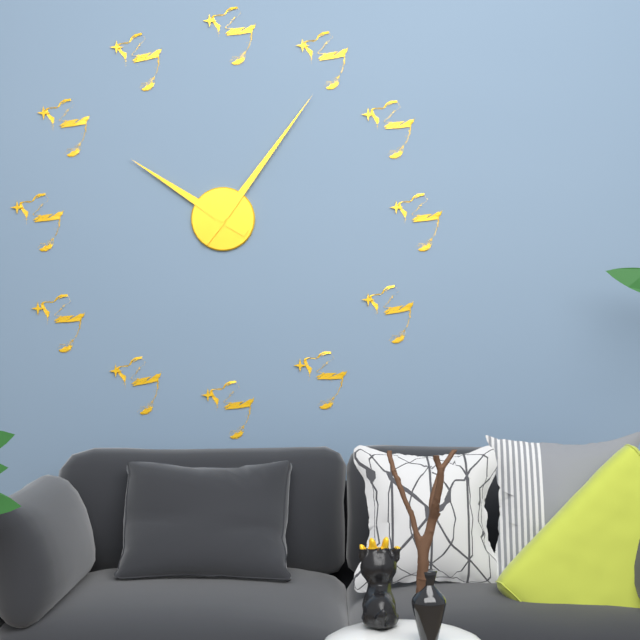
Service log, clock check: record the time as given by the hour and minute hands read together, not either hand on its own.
10:06
